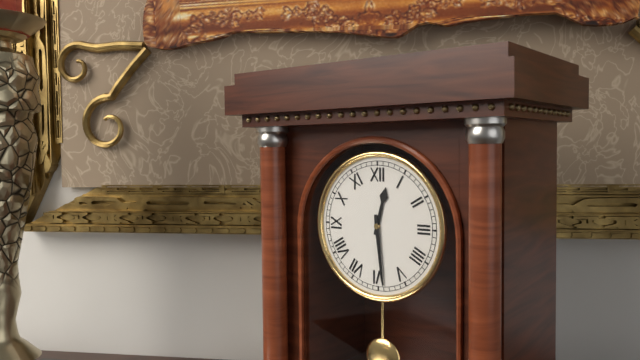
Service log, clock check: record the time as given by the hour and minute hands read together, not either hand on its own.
12:29
